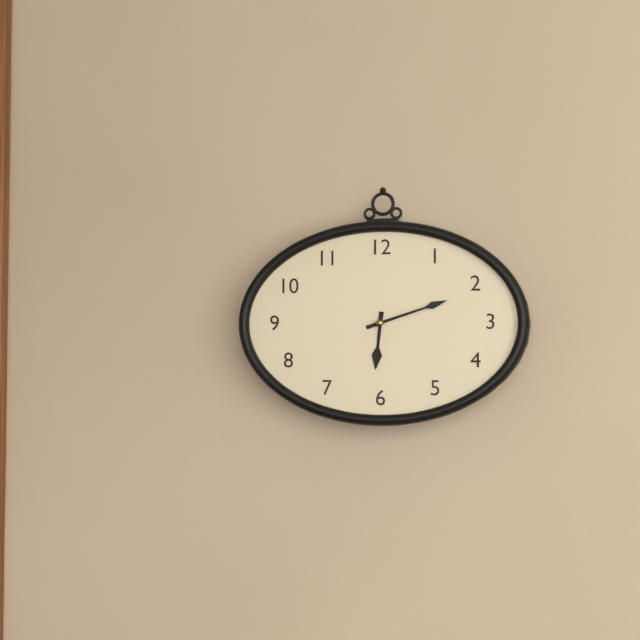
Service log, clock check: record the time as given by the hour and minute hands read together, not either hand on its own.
6:12
